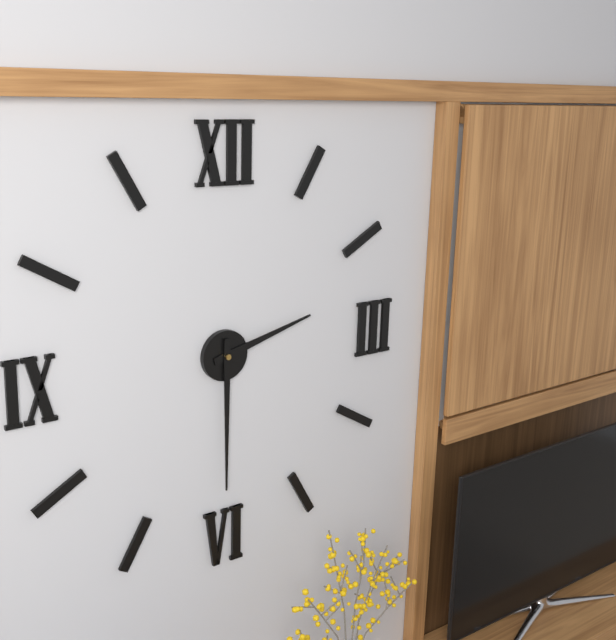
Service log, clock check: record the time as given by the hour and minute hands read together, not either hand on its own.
2:30
